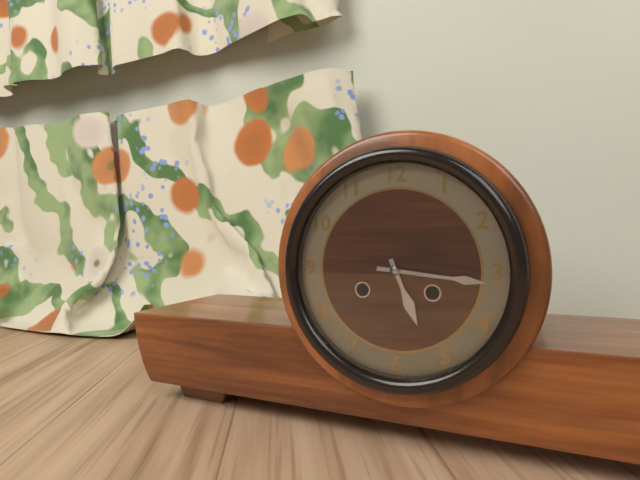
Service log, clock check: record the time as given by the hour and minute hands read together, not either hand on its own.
5:16
